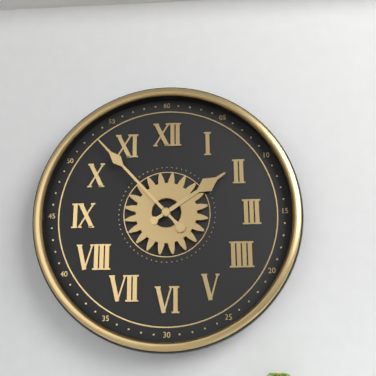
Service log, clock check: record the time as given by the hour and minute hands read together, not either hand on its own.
1:53
